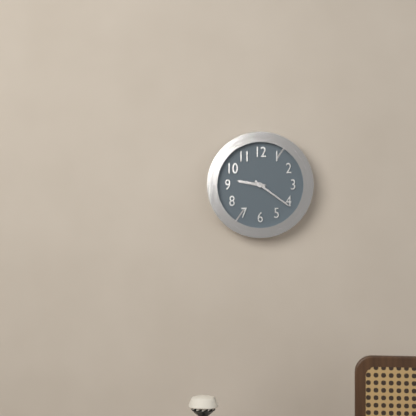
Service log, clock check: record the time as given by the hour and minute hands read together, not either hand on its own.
9:21
